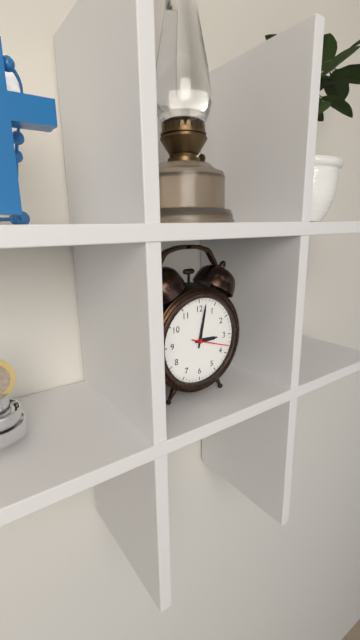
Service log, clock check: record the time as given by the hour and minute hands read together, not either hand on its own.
3:02
